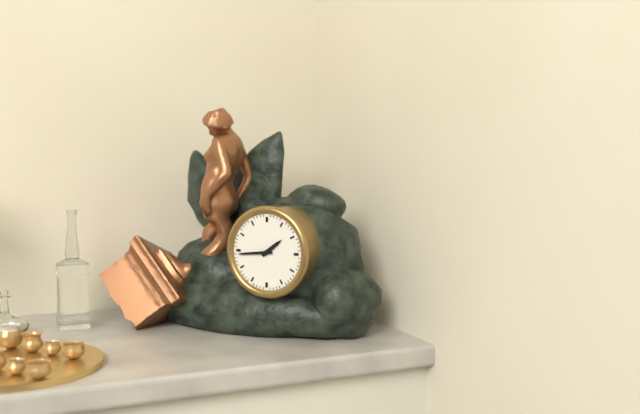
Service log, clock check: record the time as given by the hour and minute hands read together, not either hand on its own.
1:44
